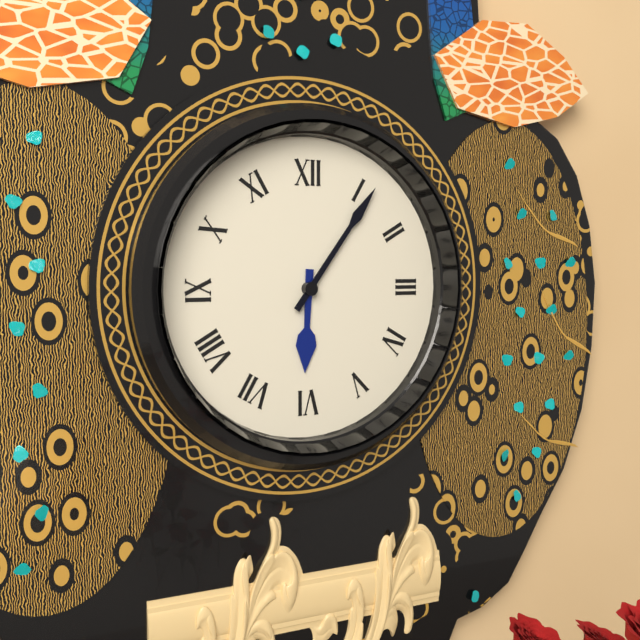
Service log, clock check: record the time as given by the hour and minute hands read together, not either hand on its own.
6:06
